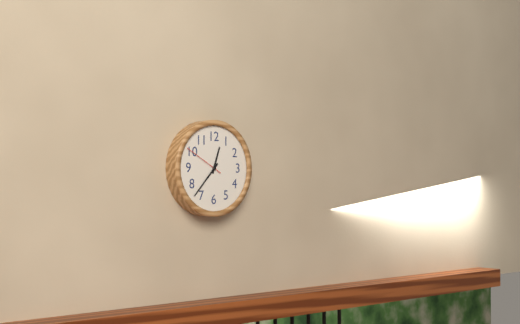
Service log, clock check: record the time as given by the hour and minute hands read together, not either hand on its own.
12:37
